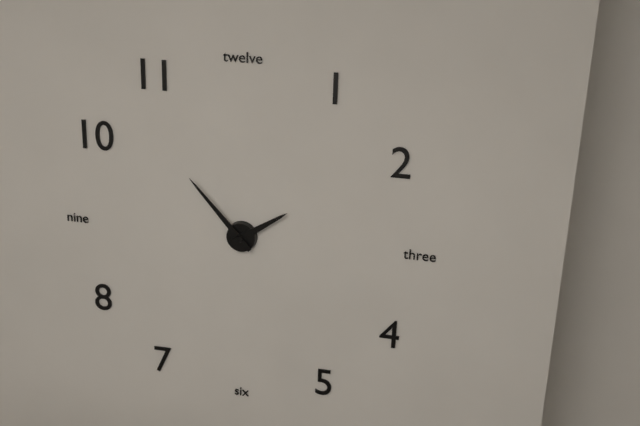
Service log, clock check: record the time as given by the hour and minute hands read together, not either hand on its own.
1:53
